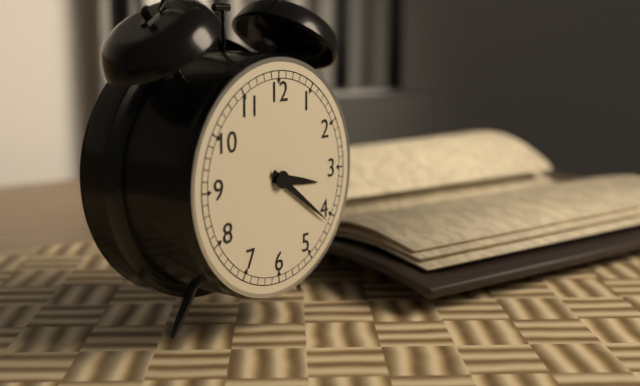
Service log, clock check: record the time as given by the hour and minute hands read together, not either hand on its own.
3:21
